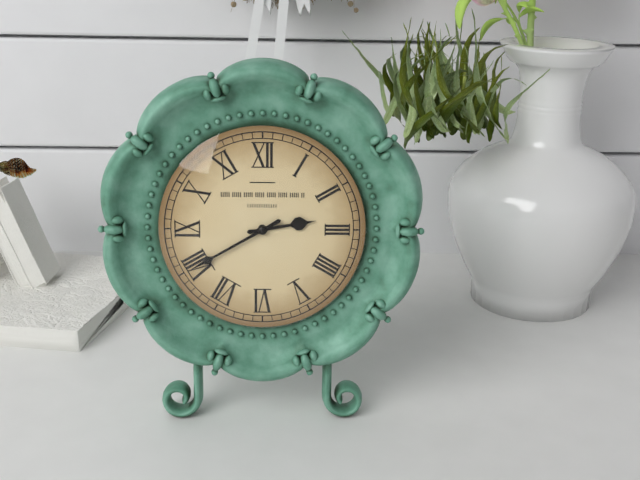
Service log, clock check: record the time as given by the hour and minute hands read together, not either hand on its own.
2:40
